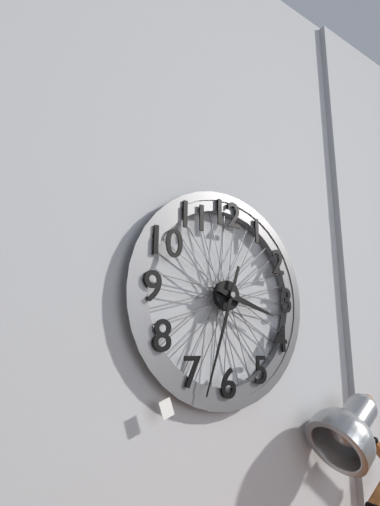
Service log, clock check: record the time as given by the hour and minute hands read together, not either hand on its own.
3:33
